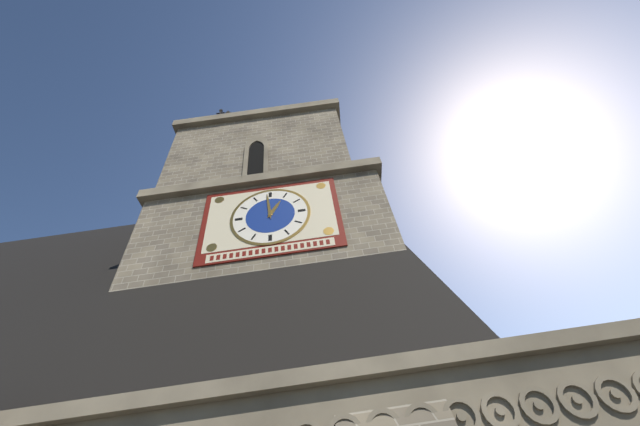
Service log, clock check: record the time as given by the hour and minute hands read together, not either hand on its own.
12:59
